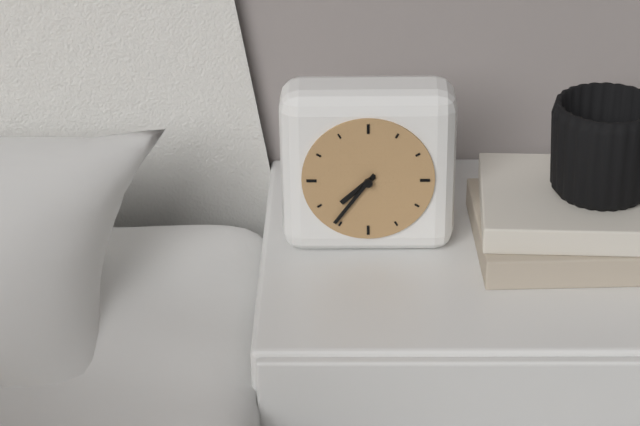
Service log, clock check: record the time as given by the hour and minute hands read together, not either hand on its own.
7:36
